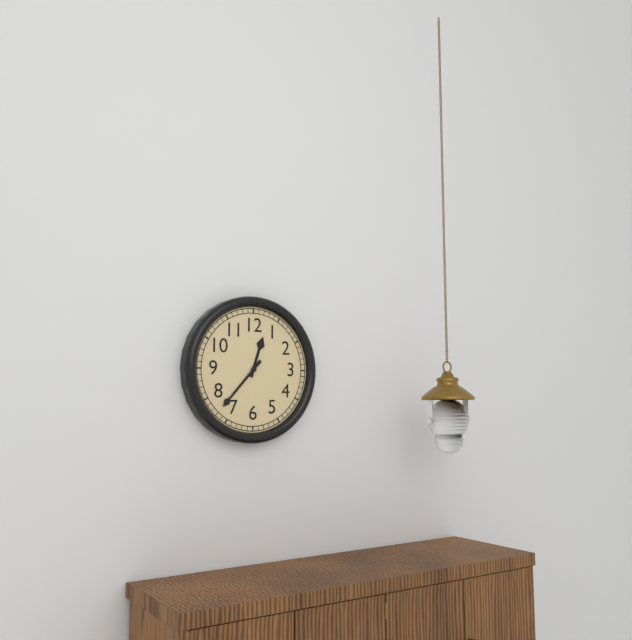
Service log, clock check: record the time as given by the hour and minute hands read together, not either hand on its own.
12:37
